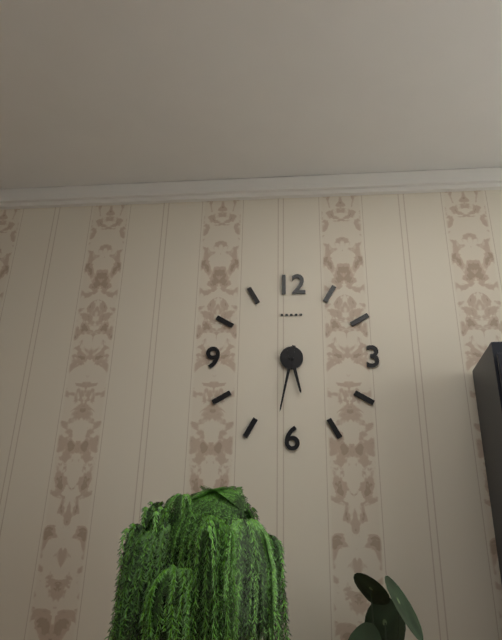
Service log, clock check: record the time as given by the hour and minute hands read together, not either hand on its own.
5:32
